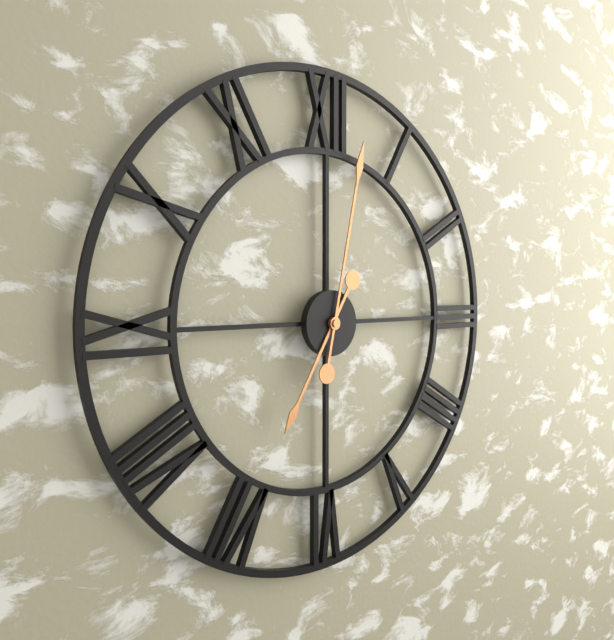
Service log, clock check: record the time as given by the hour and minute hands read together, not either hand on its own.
7:02
